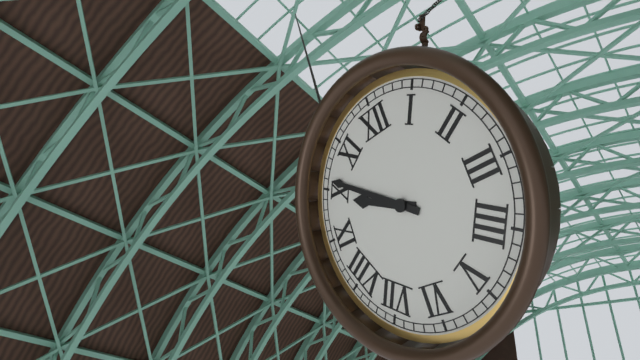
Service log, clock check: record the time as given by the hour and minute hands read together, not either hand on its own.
9:51
